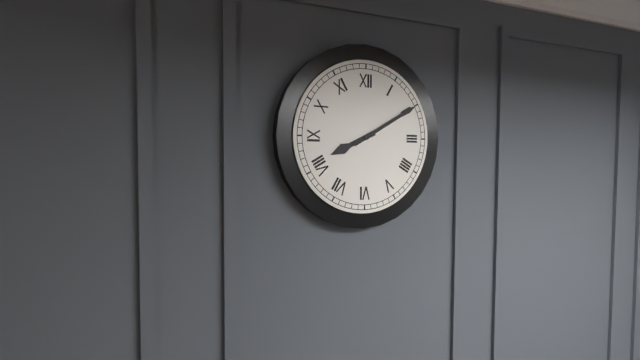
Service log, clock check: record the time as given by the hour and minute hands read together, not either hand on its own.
8:10
